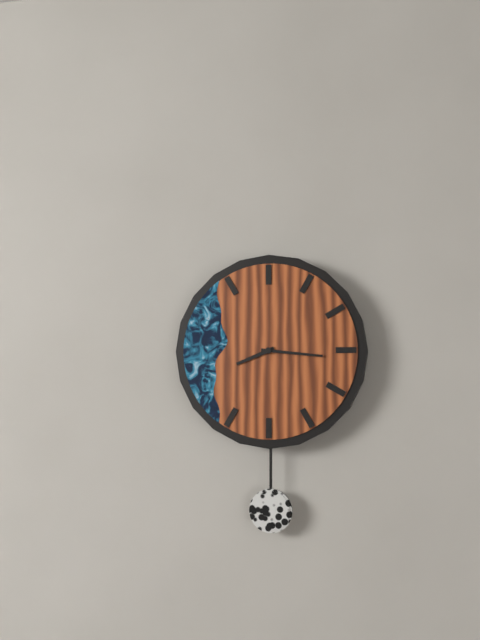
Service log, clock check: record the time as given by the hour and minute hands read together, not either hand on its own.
8:16
